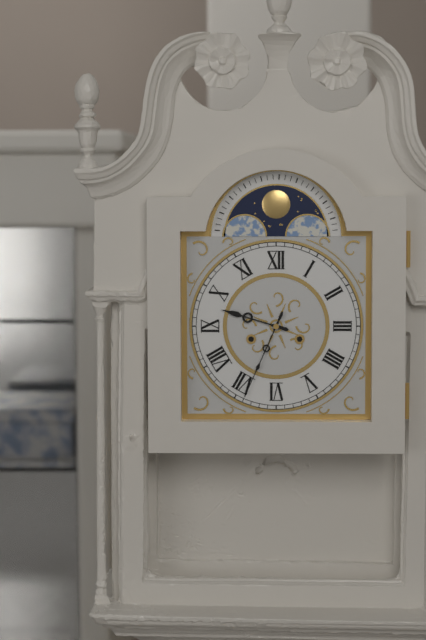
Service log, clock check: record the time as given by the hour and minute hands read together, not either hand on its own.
9:34
